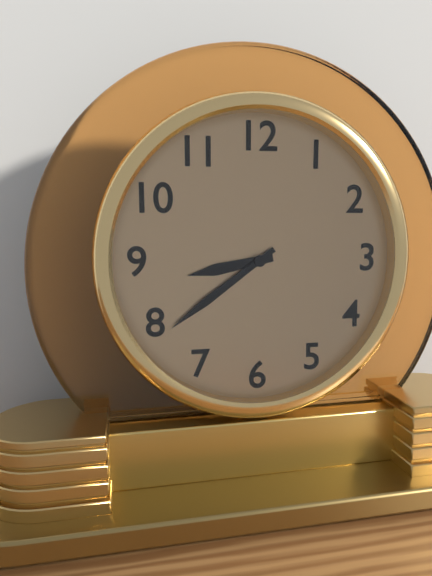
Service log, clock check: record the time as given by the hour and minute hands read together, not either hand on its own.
8:39
